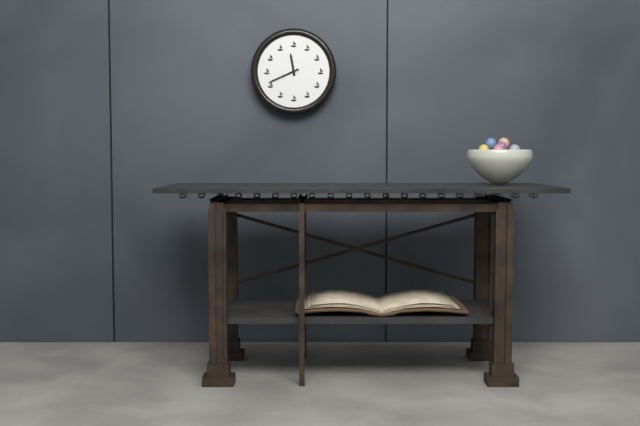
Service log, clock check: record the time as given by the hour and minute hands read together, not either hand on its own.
11:41
